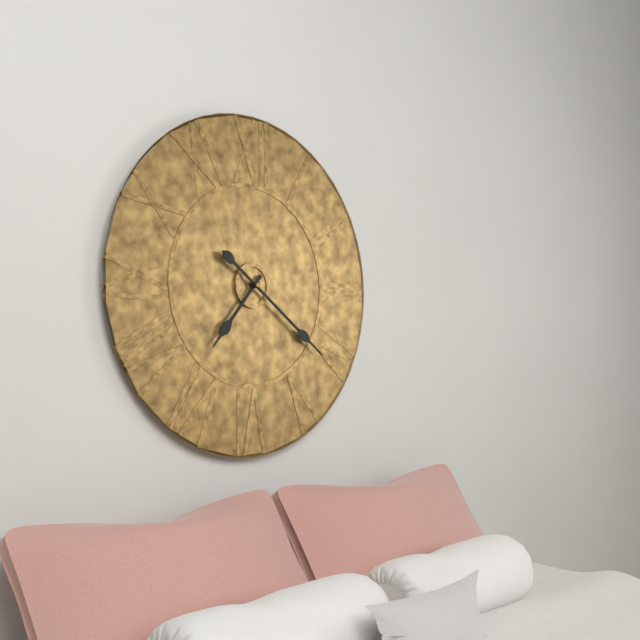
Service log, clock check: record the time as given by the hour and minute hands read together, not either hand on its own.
7:21
